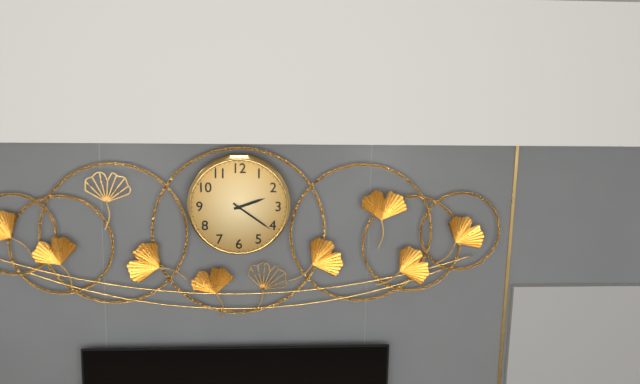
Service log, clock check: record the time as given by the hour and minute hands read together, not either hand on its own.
2:21
